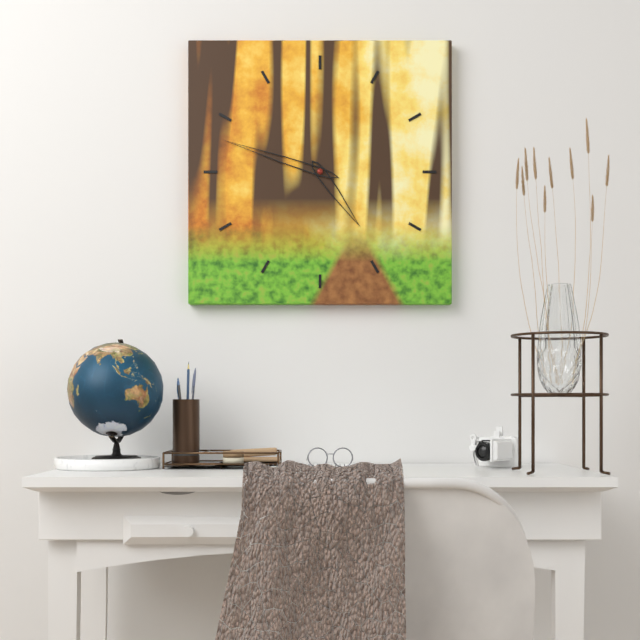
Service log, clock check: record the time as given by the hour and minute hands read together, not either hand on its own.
4:48
